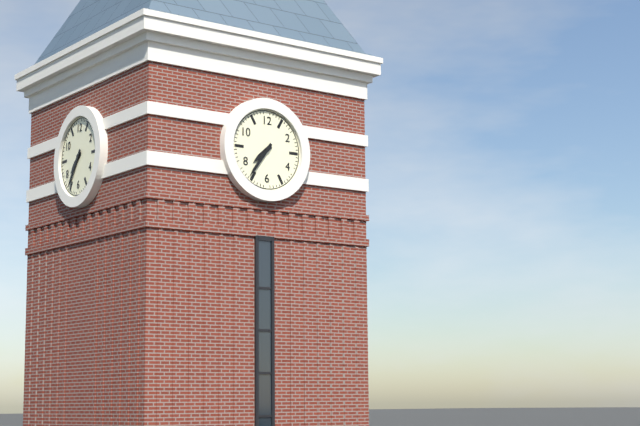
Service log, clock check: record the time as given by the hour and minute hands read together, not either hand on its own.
7:36
